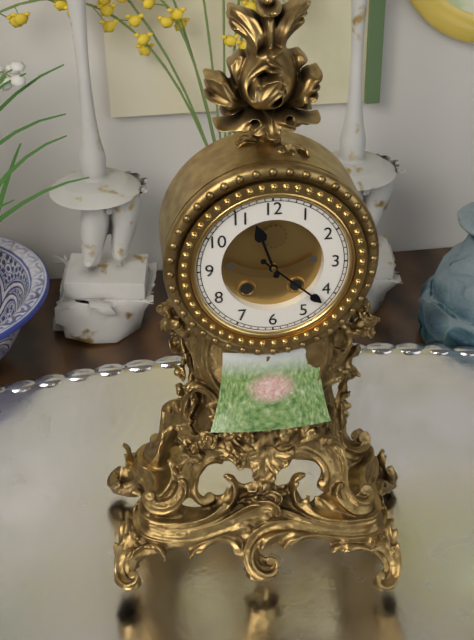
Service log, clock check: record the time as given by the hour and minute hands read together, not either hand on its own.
11:22
